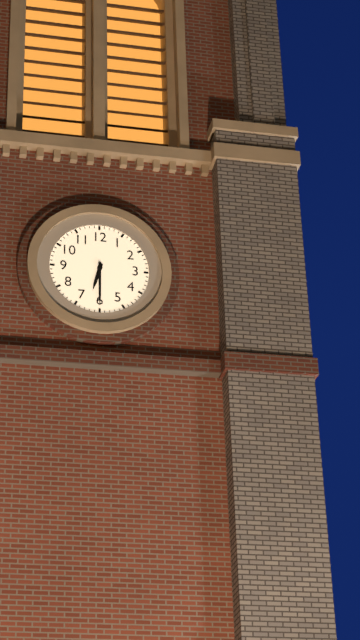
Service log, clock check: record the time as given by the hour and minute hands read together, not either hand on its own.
6:30
